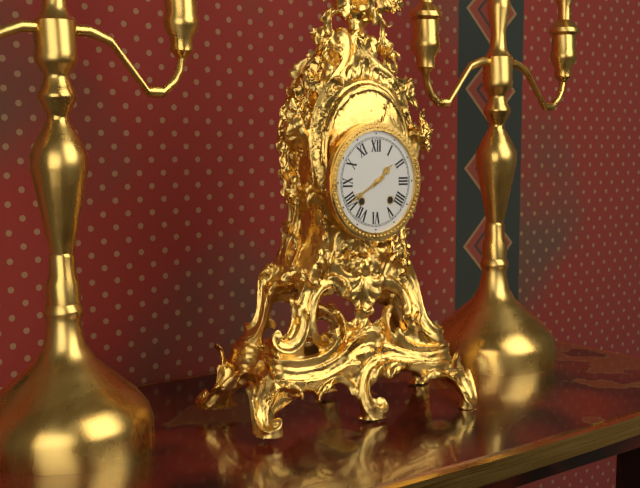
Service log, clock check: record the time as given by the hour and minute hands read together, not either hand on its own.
1:40
